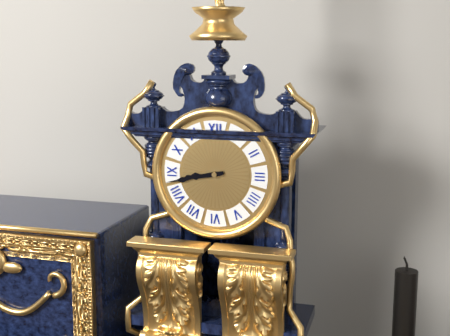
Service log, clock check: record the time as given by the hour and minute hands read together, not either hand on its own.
8:43
